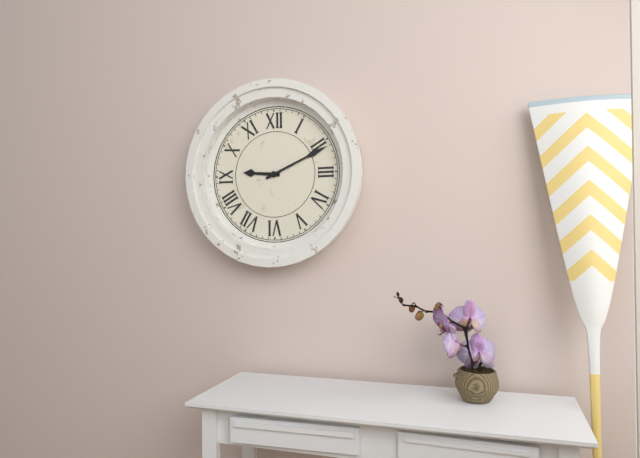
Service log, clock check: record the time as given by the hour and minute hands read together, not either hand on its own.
9:11
